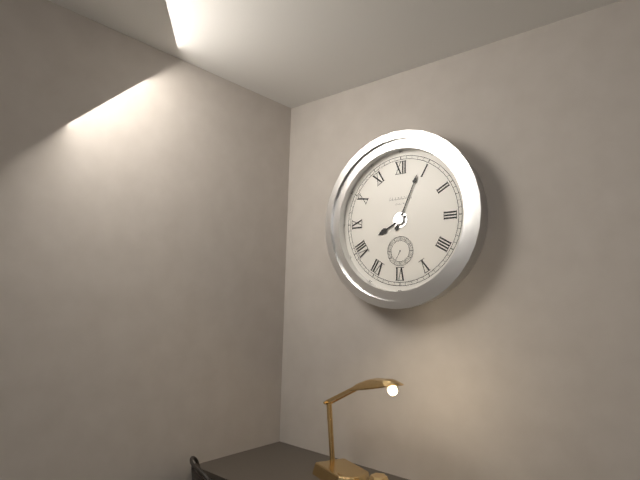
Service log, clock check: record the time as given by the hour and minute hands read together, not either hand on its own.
8:04
